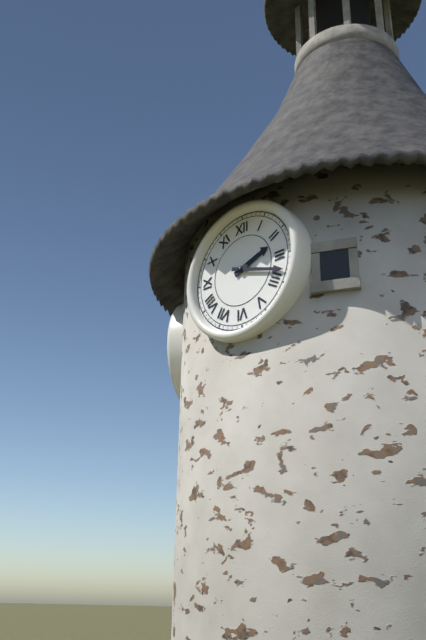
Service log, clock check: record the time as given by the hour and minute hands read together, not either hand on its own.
2:18
